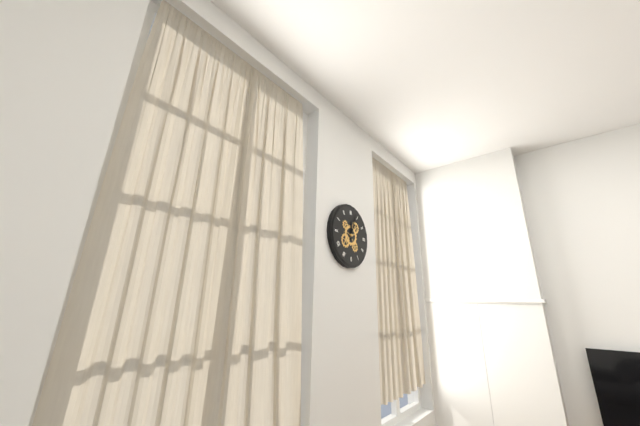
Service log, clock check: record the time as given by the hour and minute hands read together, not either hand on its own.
12:03
